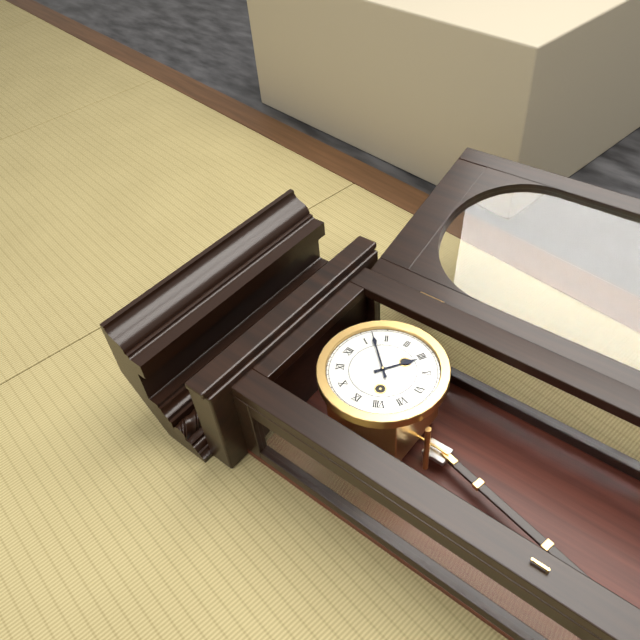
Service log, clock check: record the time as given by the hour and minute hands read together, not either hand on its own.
4:07
